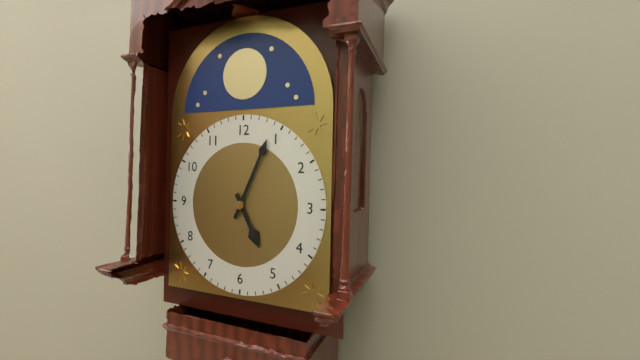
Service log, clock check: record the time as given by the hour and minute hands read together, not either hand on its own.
5:04
